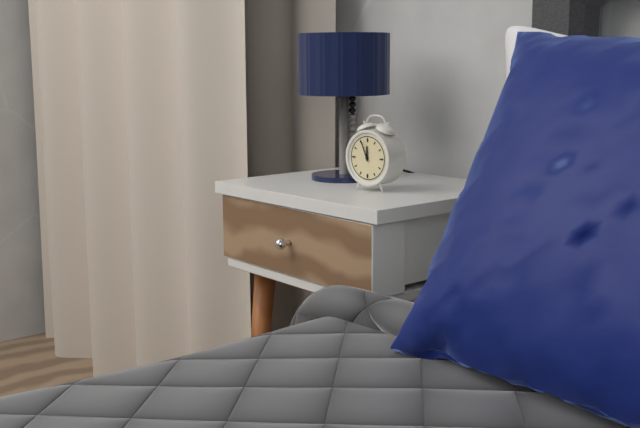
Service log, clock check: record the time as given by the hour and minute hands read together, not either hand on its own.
11:56
